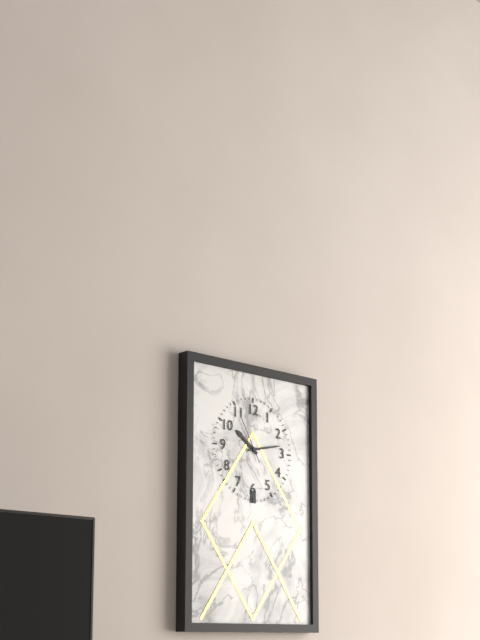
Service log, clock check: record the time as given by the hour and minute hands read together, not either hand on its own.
10:13
